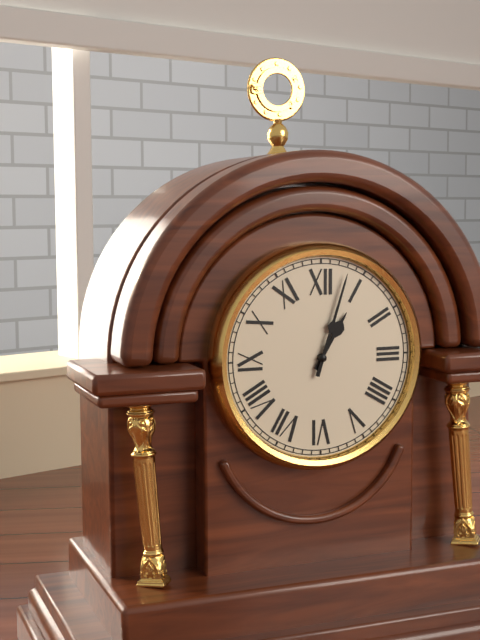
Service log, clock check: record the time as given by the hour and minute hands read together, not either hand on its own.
1:03
